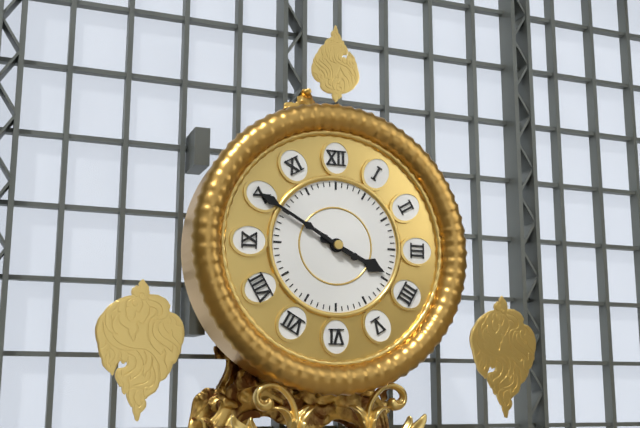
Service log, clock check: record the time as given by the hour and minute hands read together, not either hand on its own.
3:50
